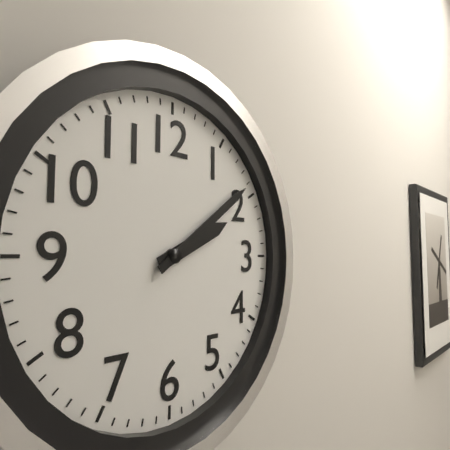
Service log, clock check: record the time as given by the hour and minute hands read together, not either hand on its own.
2:09
